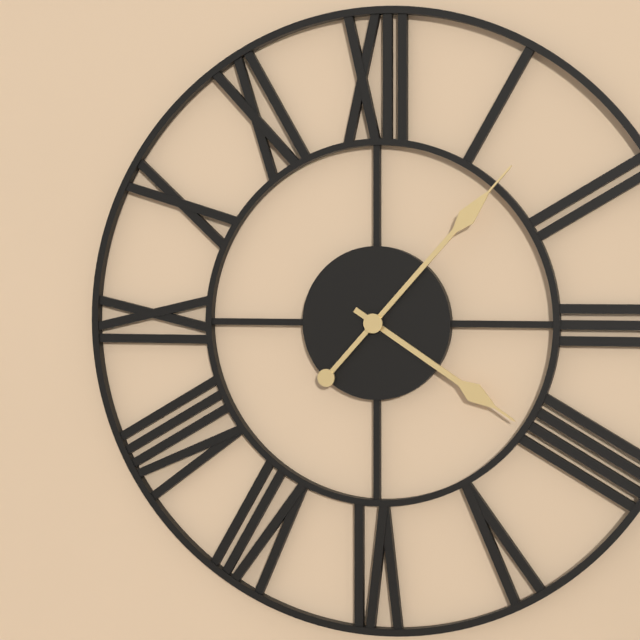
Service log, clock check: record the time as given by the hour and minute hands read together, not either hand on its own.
4:07
